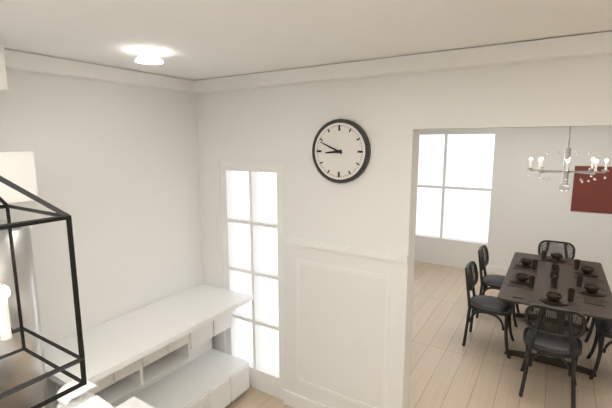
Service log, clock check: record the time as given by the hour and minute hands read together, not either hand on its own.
8:49
